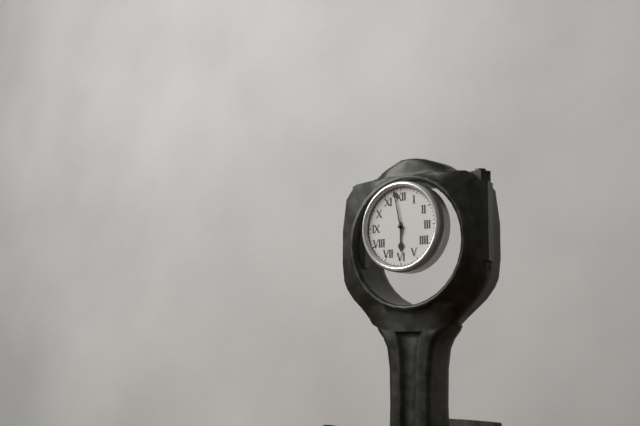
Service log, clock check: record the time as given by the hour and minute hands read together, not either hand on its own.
5:58
